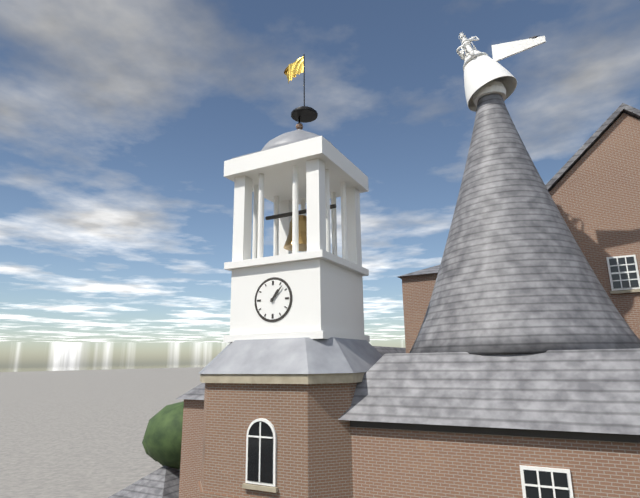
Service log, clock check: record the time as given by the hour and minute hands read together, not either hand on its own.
1:07
